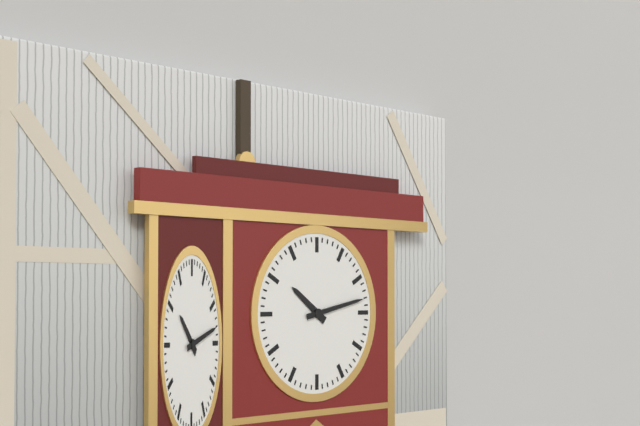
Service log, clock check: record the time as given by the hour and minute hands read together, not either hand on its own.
10:13
